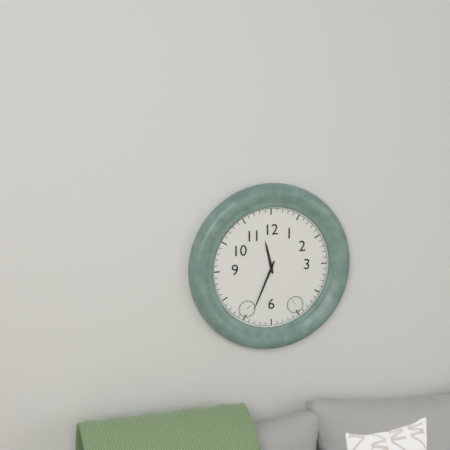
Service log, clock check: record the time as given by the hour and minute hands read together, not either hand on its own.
11:34
